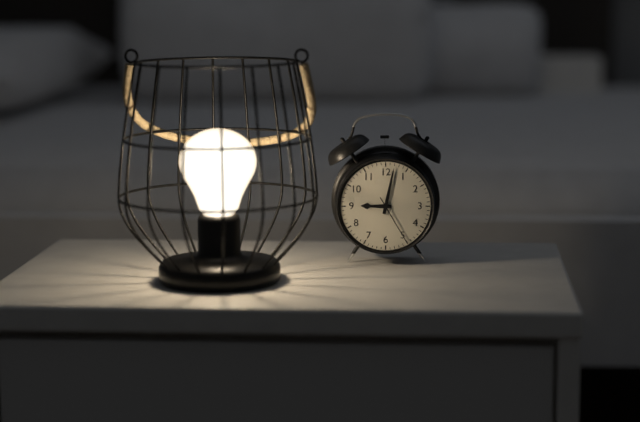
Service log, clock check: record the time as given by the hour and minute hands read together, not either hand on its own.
9:02
